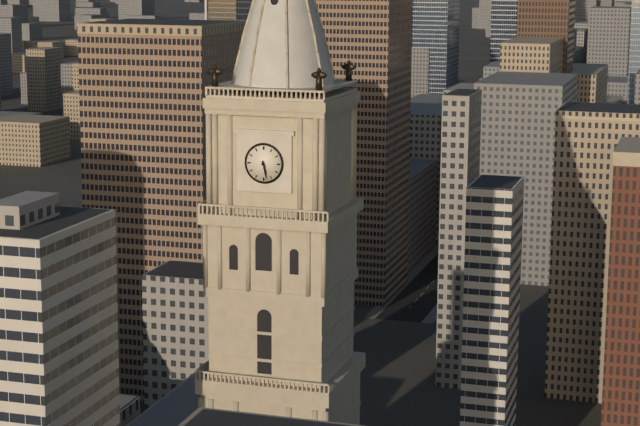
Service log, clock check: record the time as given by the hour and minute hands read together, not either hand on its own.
5:28
